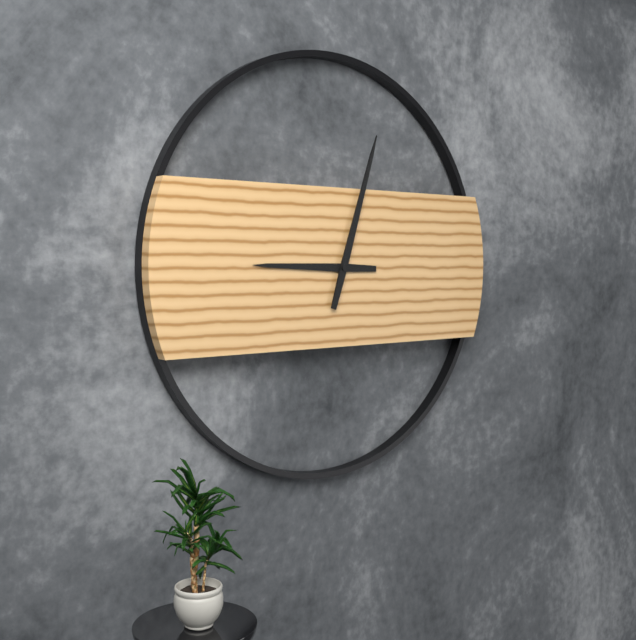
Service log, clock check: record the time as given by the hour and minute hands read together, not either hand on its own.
9:03
